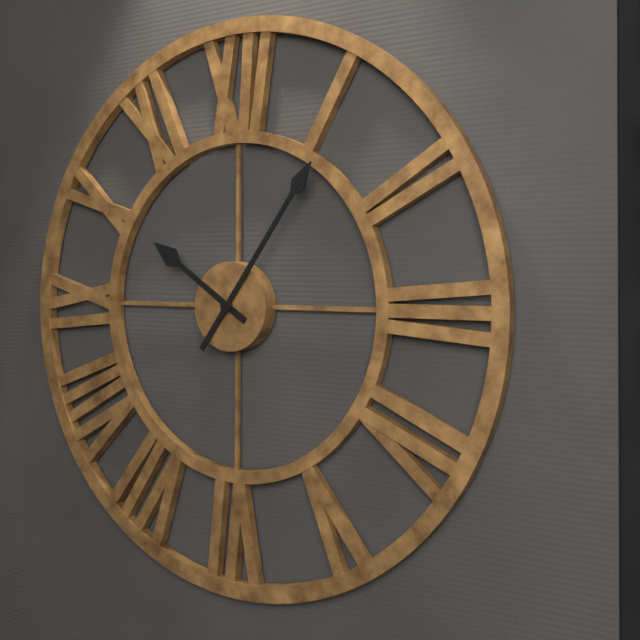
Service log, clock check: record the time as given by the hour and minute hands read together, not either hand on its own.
10:06
